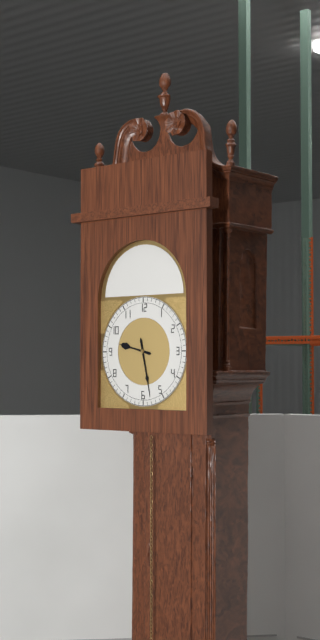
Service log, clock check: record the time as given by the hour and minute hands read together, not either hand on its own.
9:28
